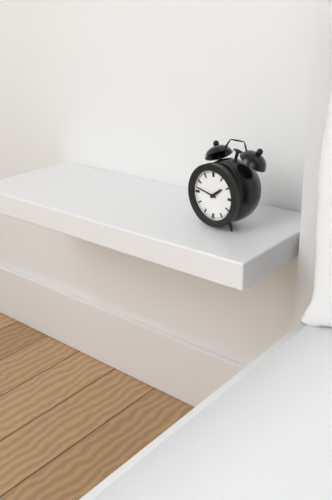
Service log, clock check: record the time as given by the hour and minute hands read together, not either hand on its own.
1:47
